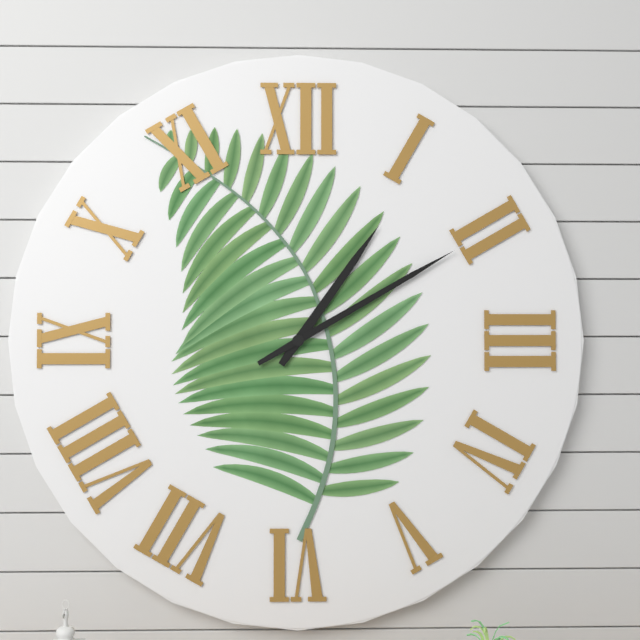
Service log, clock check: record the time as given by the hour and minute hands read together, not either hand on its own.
1:10
